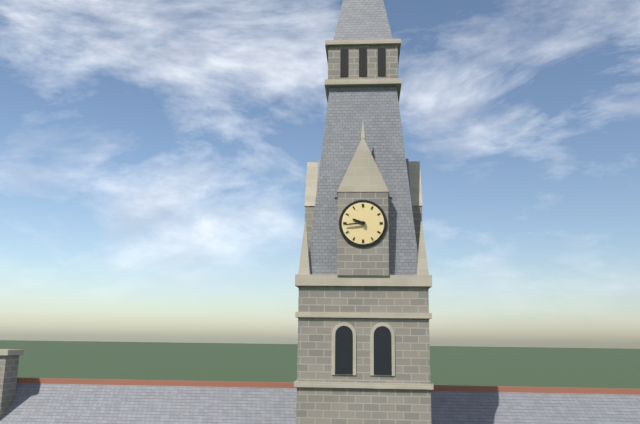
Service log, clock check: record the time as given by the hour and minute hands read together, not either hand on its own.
9:44
